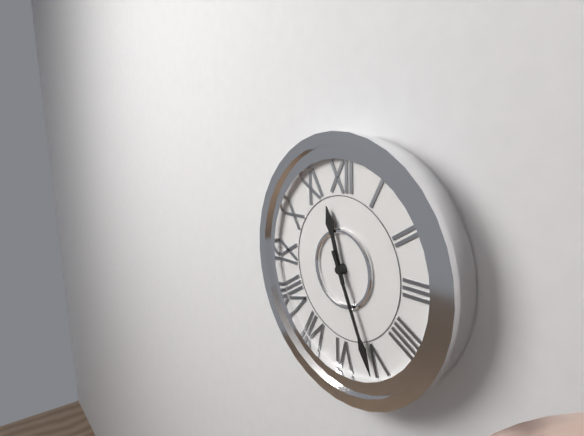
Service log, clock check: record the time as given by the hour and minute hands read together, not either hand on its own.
11:26
